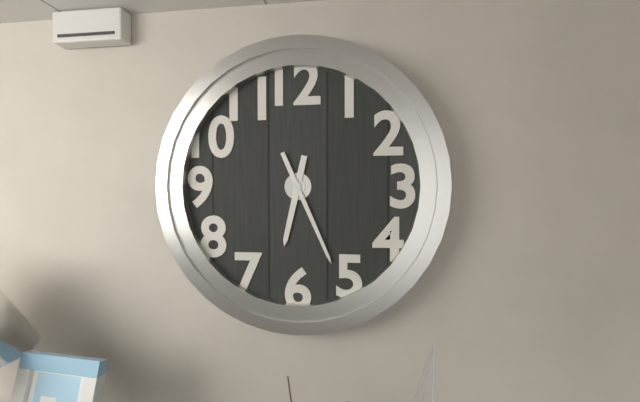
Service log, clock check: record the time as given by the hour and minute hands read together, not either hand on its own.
6:26
